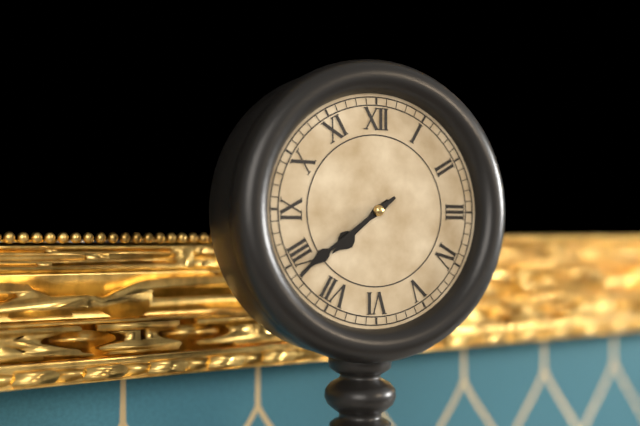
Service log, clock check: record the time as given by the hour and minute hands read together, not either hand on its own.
7:39
